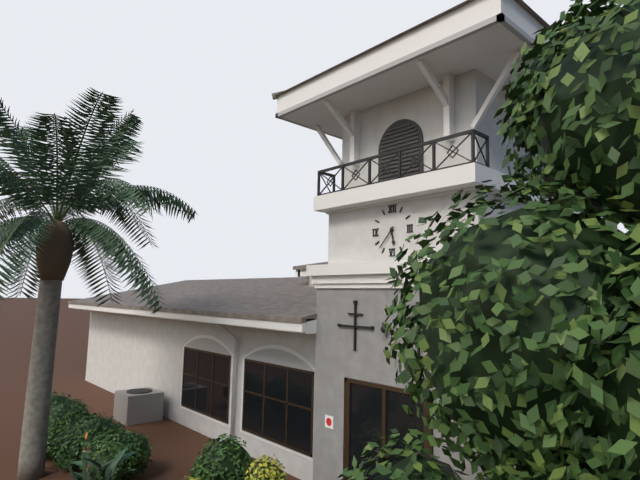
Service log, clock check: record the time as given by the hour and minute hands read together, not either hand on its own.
5:37
